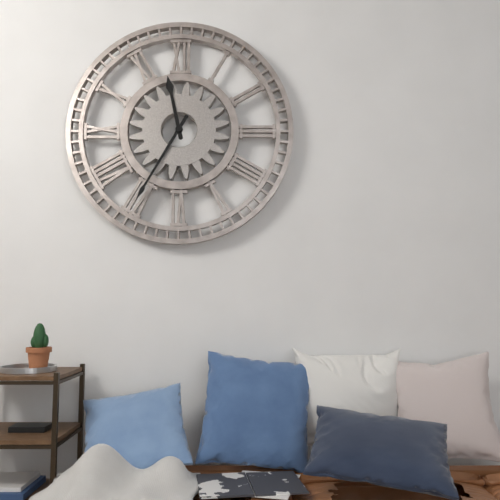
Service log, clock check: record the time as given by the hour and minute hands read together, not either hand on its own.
11:35
